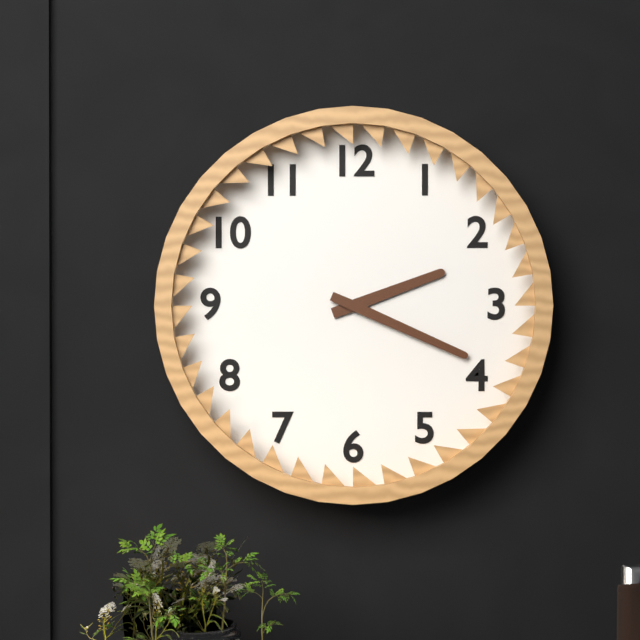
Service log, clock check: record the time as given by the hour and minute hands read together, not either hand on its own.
2:19
